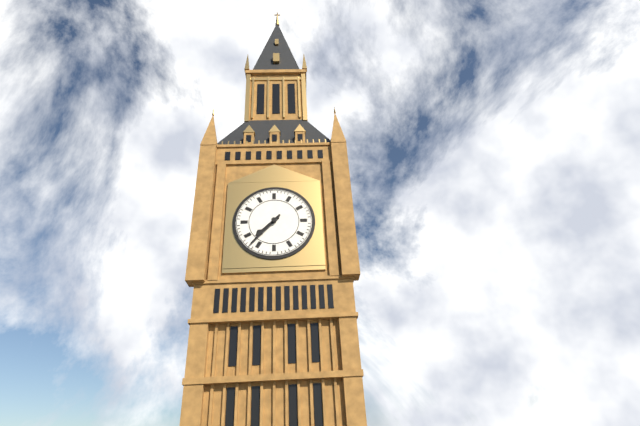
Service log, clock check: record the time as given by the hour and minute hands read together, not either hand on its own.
7:37
